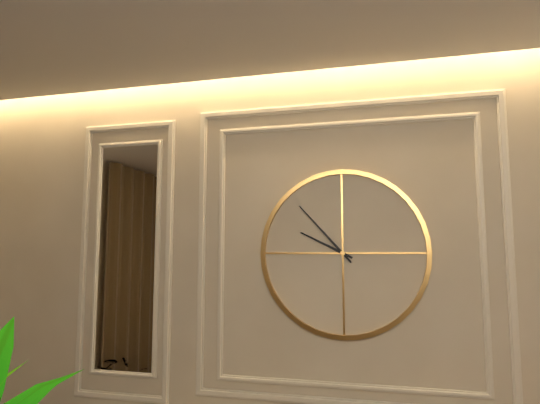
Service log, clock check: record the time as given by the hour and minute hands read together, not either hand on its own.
9:53
